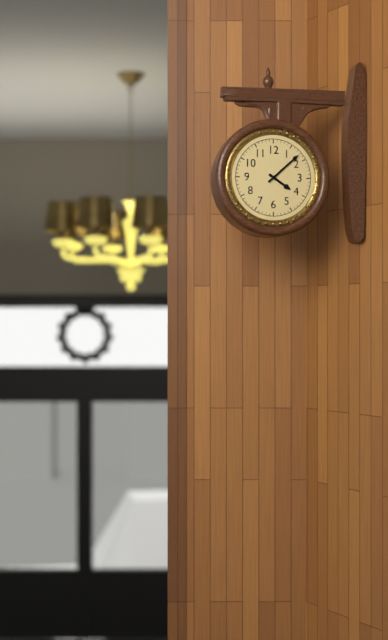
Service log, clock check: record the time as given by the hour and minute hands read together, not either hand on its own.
4:08
